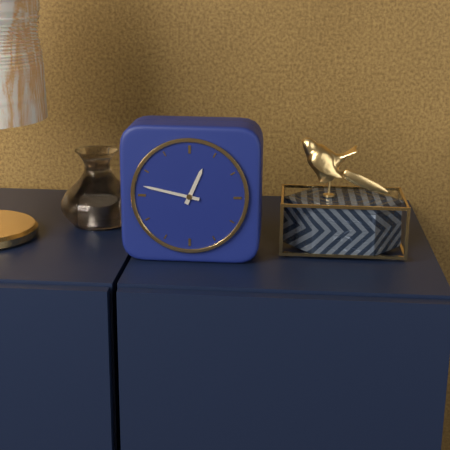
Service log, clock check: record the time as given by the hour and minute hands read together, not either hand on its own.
12:47
